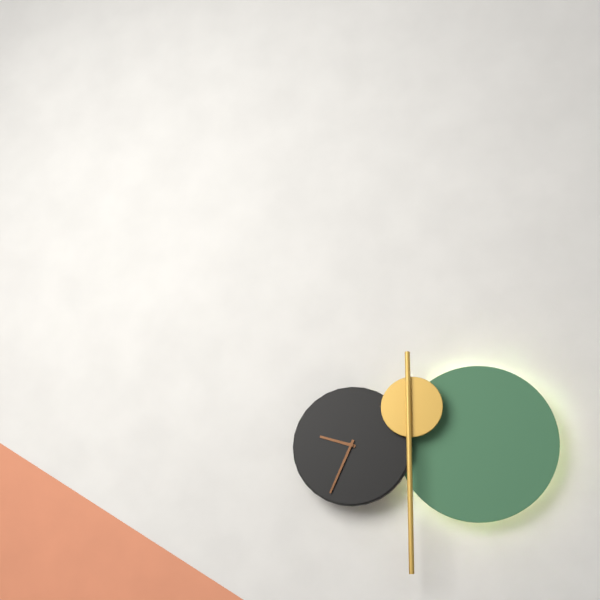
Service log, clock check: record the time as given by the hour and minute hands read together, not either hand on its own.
9:34
